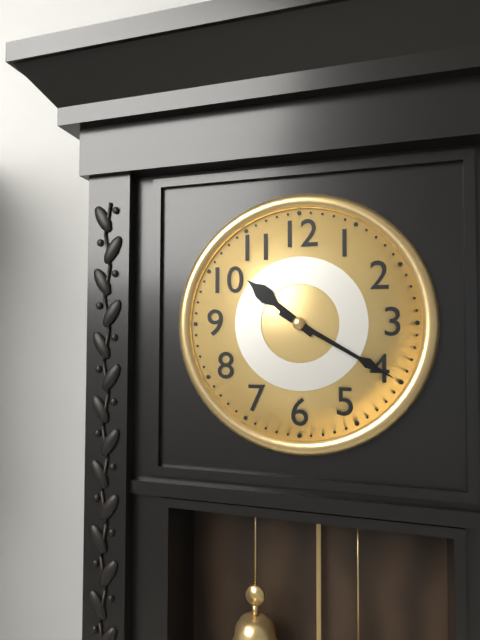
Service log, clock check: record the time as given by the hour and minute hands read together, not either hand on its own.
10:20
